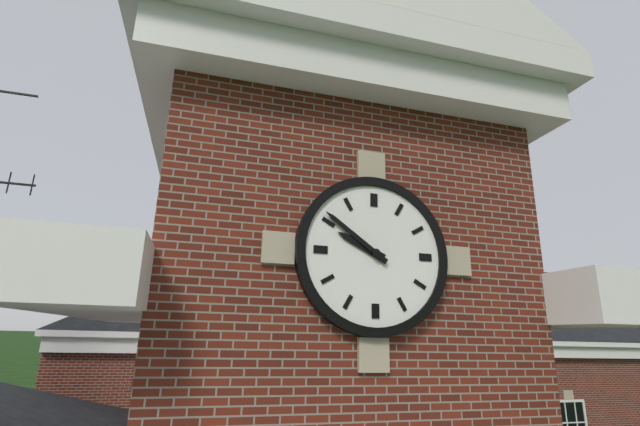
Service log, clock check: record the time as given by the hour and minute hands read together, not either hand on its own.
9:51
